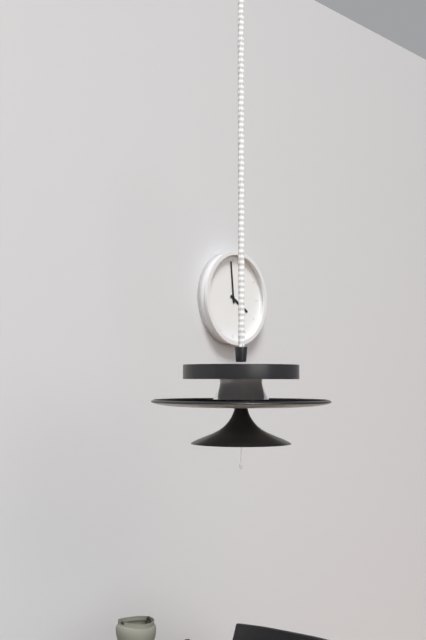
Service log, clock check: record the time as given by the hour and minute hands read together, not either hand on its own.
3:59
